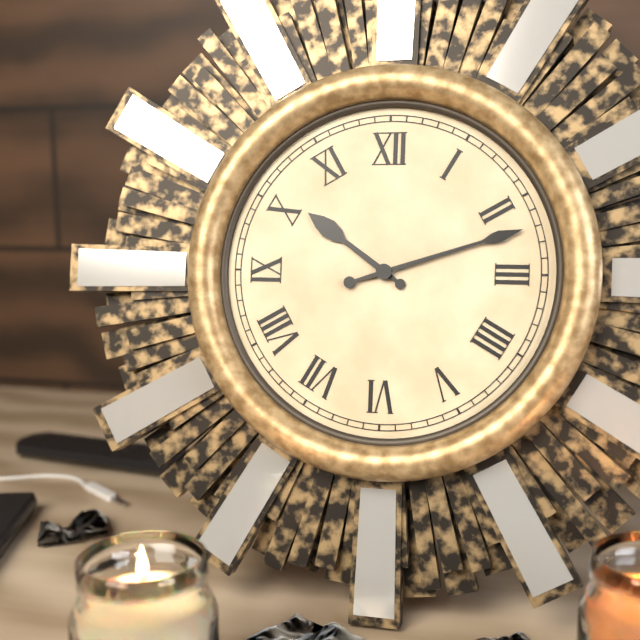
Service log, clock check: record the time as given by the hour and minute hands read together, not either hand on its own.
10:12
